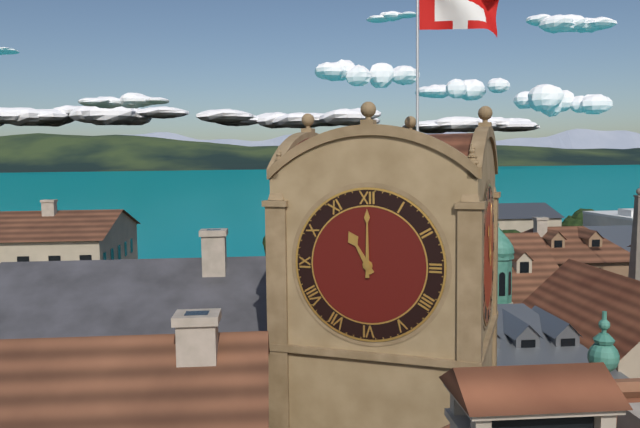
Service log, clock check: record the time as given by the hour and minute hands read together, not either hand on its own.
11:00
